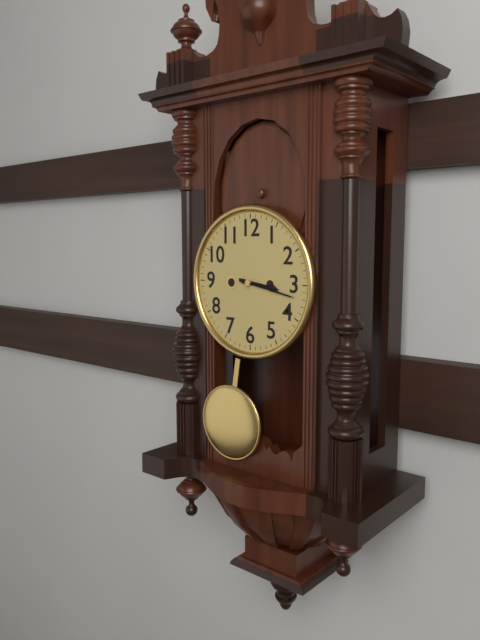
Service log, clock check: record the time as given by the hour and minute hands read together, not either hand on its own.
3:17
